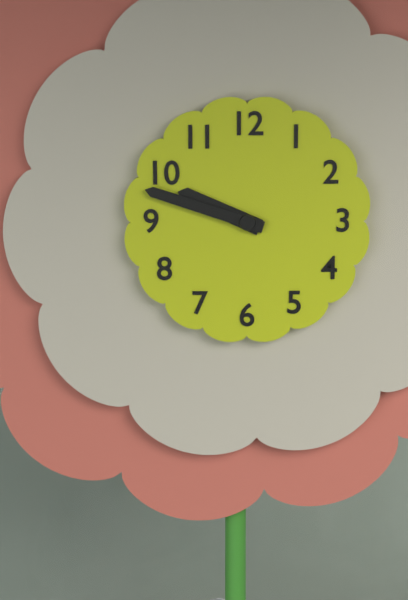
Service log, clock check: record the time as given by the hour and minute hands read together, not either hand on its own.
9:48
